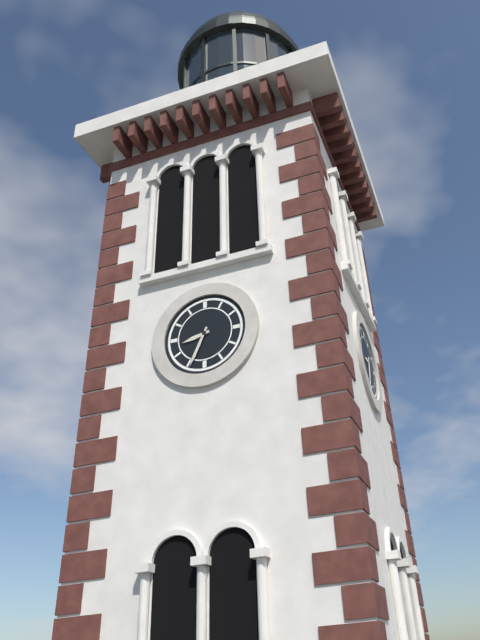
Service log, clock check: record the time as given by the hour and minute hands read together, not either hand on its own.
8:34
